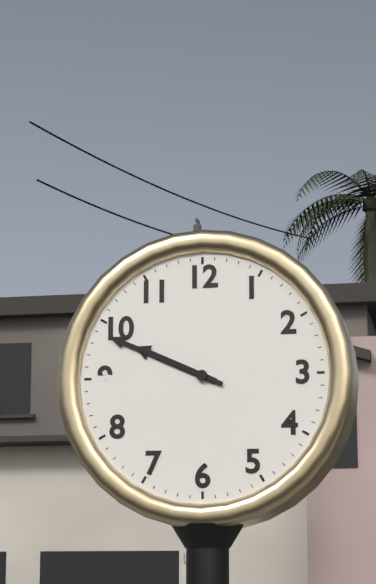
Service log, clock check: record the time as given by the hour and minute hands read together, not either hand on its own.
9:49
